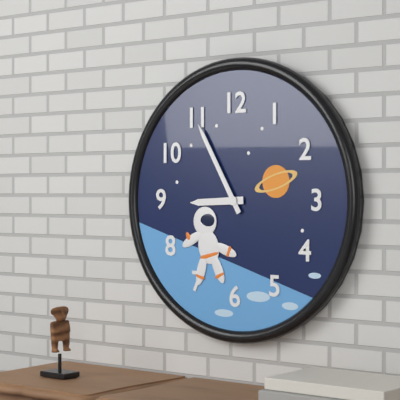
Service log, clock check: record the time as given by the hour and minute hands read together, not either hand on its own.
8:55
